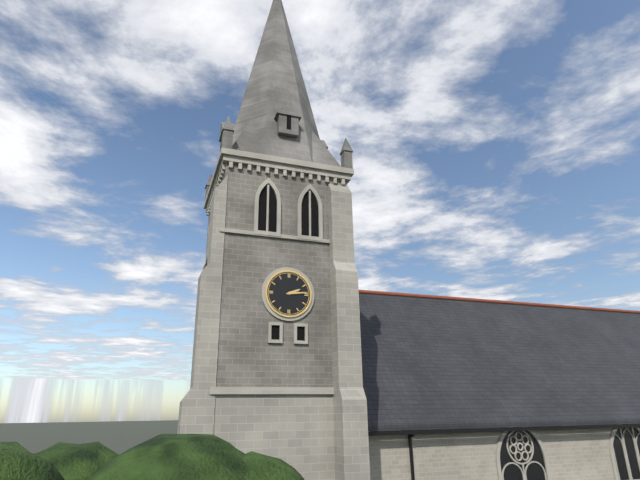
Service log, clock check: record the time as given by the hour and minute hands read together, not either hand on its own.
2:14
